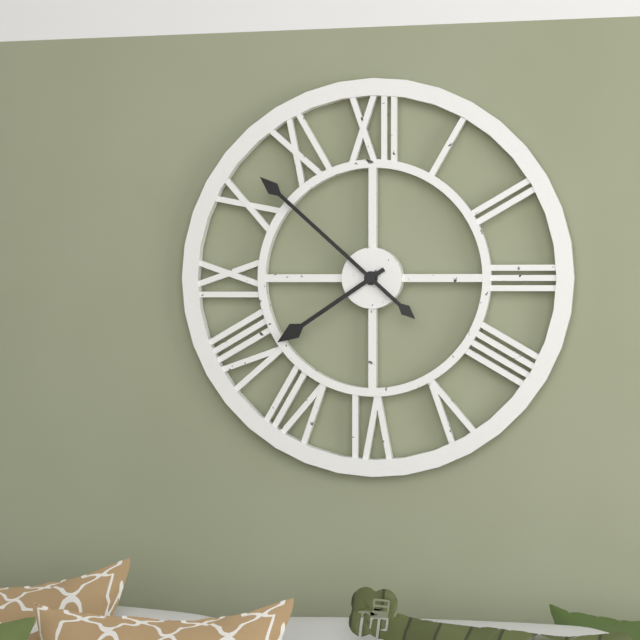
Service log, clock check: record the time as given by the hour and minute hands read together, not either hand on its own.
7:52
